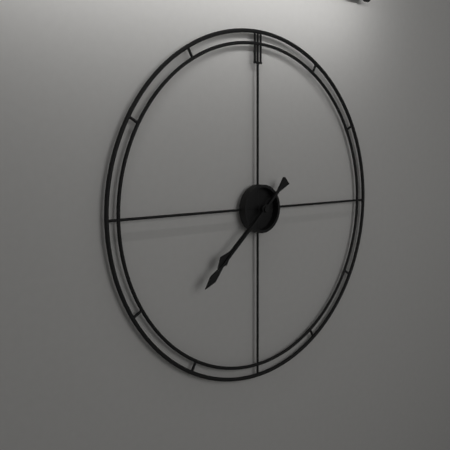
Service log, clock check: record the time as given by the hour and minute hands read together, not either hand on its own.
7:38
